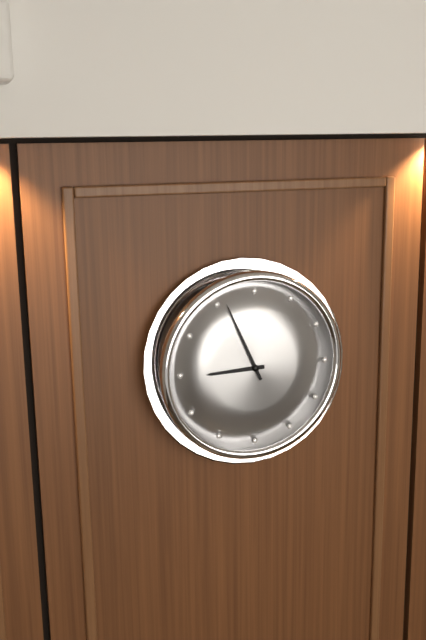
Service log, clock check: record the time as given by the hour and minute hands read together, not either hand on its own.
8:56
